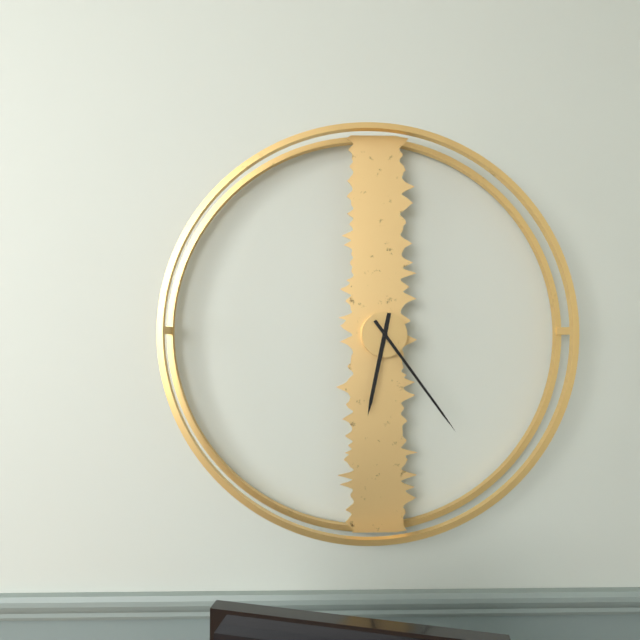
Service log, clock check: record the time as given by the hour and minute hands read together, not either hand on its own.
6:24
